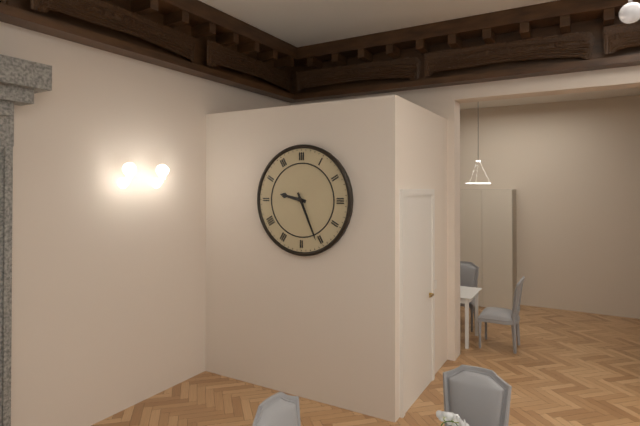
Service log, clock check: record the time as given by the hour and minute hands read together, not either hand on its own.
9:26
